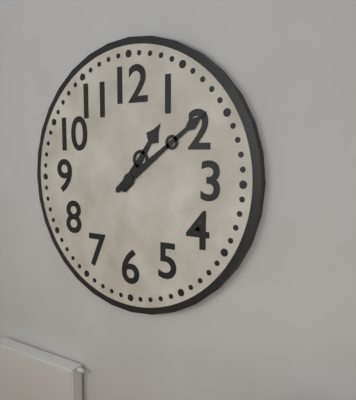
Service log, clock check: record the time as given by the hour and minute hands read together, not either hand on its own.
1:09
